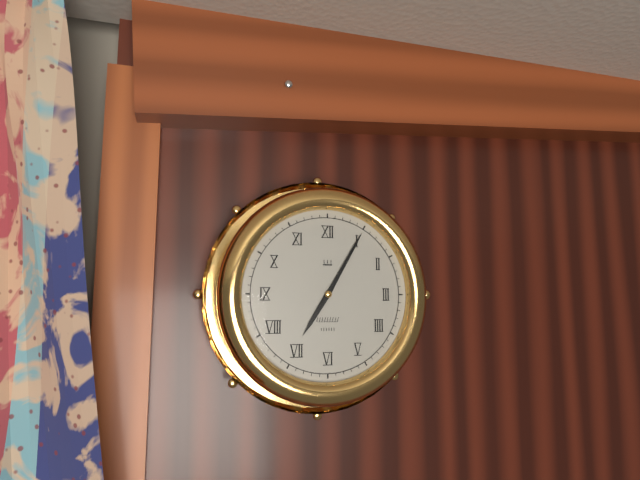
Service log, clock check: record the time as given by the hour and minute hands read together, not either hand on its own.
7:05
